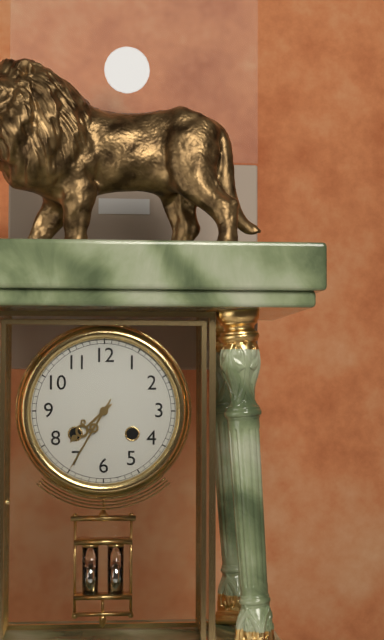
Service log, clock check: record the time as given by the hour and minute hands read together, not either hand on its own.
7:35
